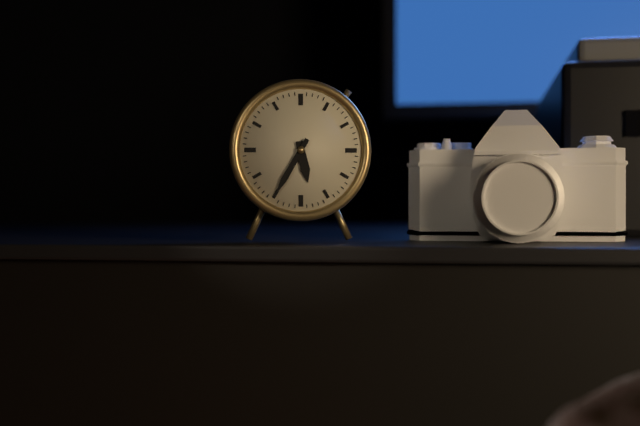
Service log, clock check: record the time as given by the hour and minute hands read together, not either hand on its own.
5:35
